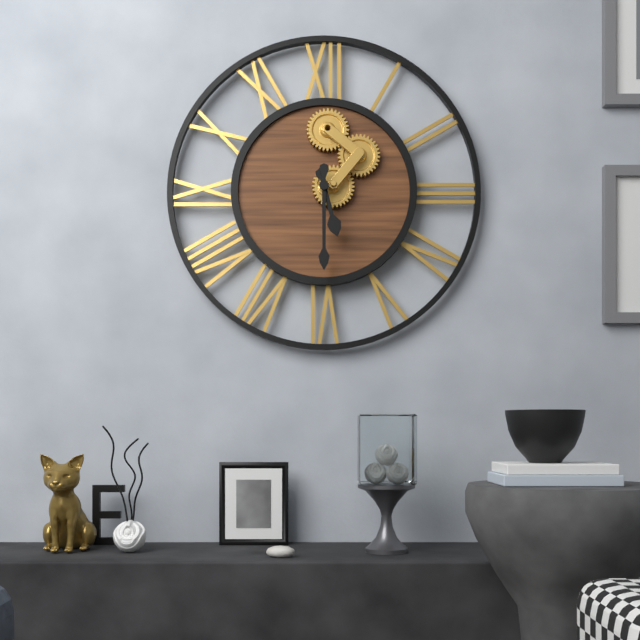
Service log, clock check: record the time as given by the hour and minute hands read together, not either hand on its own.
5:30
